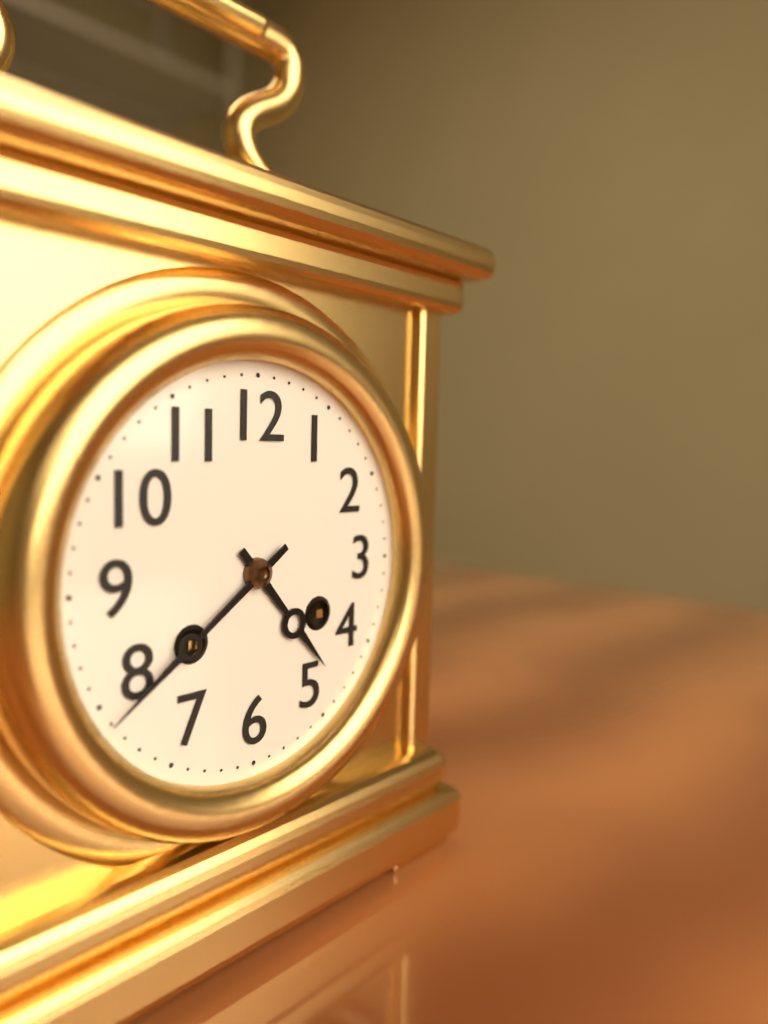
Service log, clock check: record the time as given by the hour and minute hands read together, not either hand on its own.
4:39
